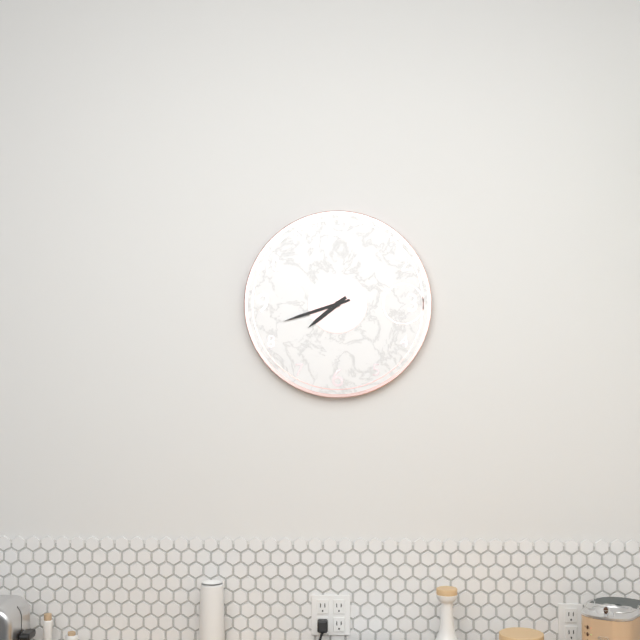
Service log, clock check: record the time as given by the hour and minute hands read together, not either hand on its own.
7:42
